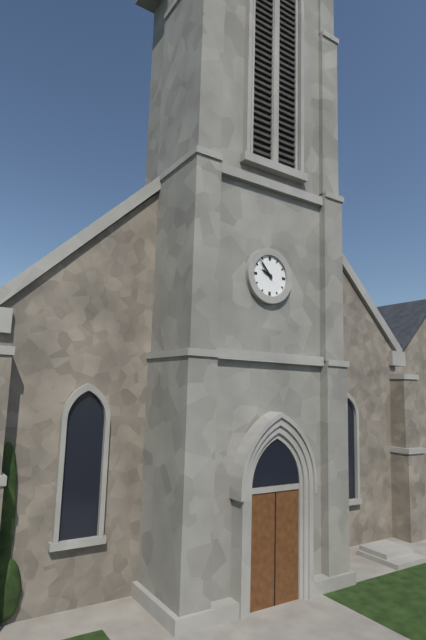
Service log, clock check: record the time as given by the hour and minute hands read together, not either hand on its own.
9:53
